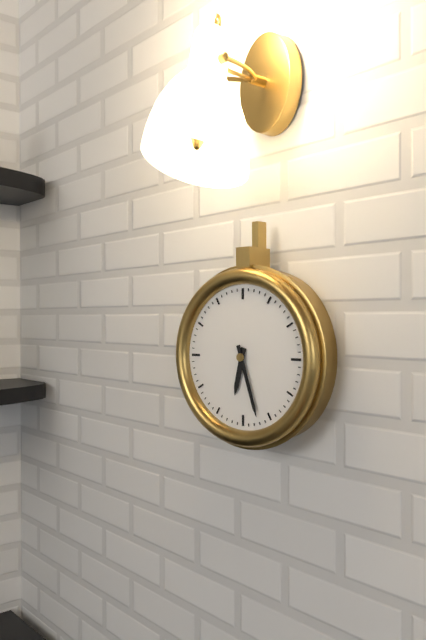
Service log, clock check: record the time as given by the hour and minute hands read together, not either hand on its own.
6:27
